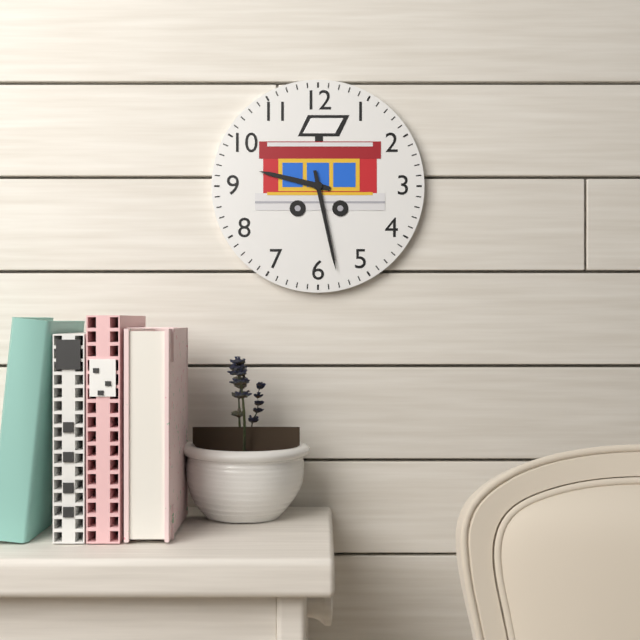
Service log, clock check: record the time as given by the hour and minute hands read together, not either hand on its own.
9:28
